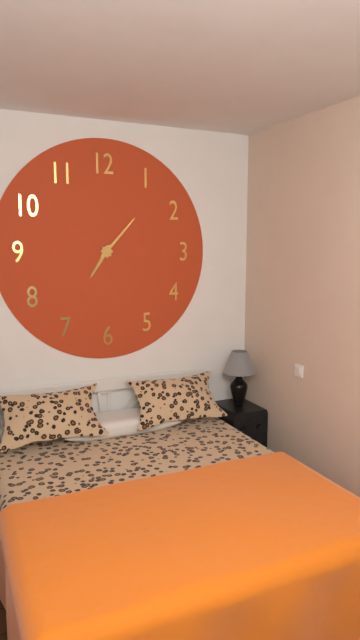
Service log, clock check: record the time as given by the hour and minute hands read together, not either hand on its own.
7:07
